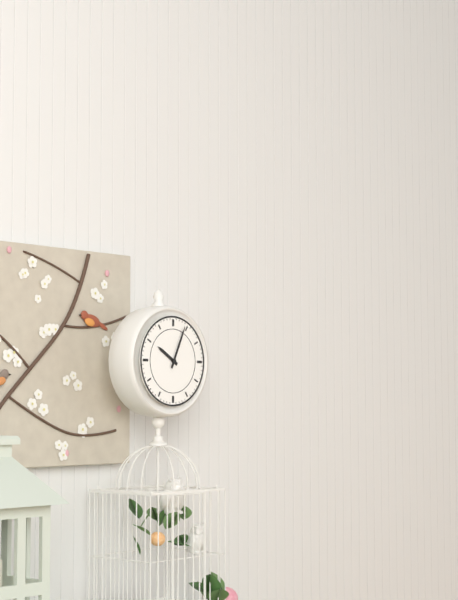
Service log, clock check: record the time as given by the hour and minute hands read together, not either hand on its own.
10:04
